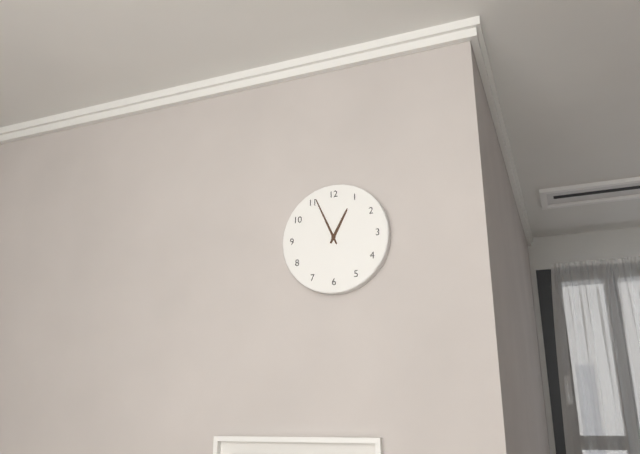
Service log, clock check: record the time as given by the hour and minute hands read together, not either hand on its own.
12:56
